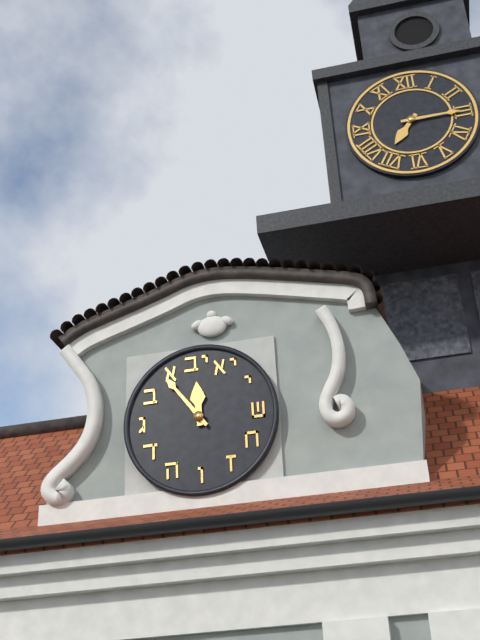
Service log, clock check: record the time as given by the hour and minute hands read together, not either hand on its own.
11:54
